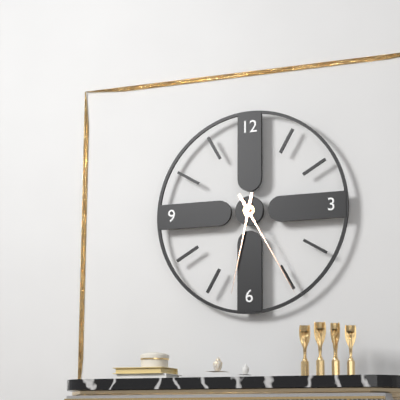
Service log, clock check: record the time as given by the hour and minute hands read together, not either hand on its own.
6:25
